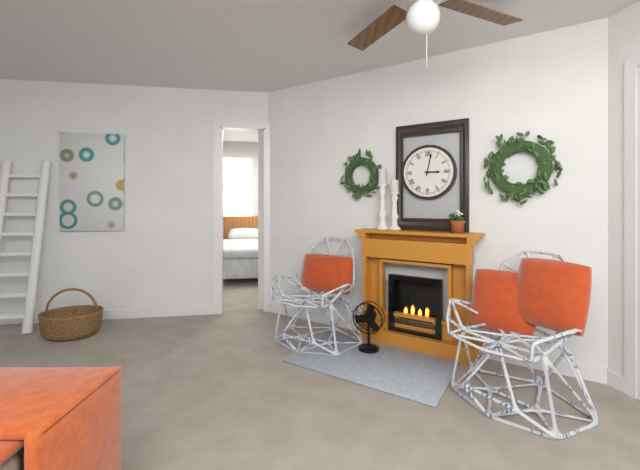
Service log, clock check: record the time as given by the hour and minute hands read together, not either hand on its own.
3:02
